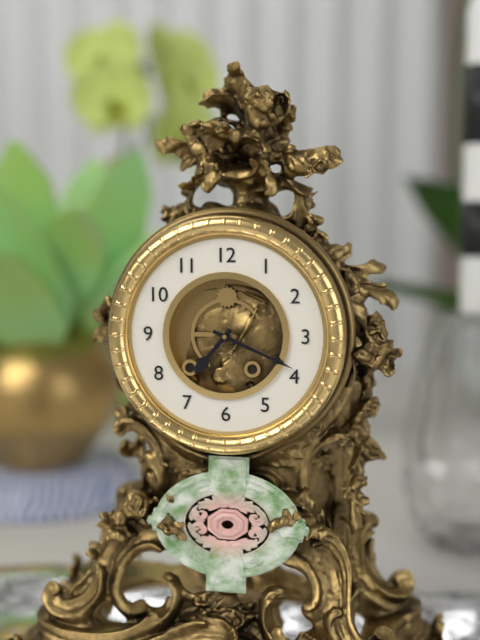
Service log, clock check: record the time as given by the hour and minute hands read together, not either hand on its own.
7:19
